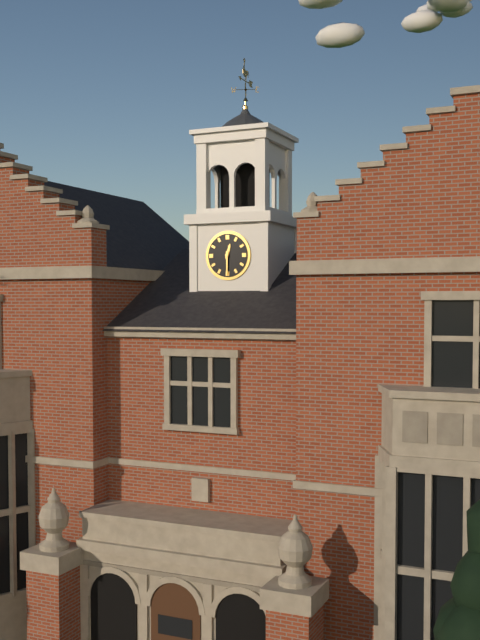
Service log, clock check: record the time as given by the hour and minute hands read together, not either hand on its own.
12:30
